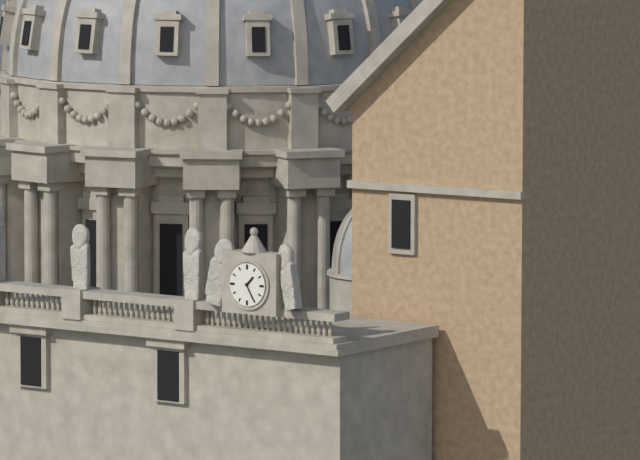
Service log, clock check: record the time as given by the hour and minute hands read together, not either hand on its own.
1:25
